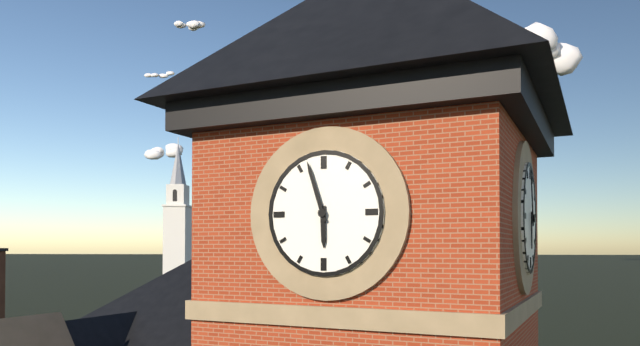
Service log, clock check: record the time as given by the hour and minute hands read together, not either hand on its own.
5:57
